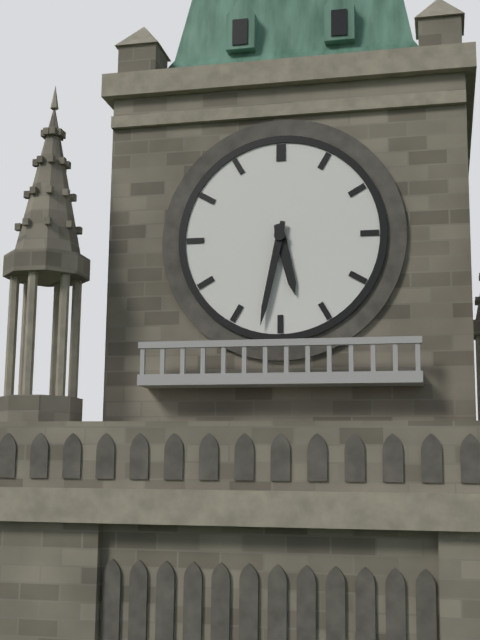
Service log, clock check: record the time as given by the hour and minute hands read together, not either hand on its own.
5:32
